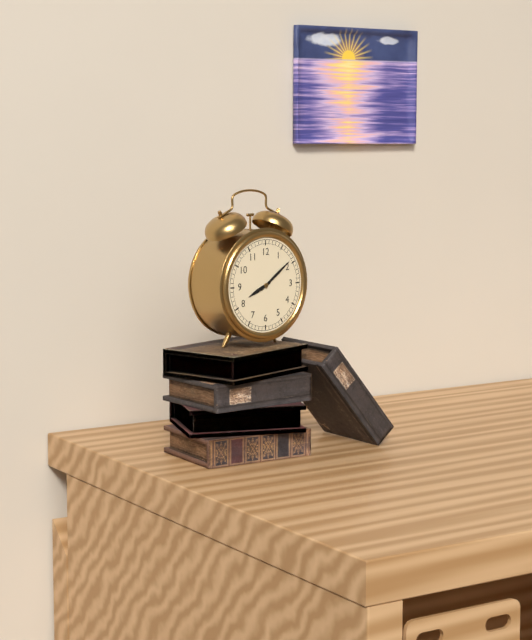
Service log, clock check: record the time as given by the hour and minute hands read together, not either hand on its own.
8:09
